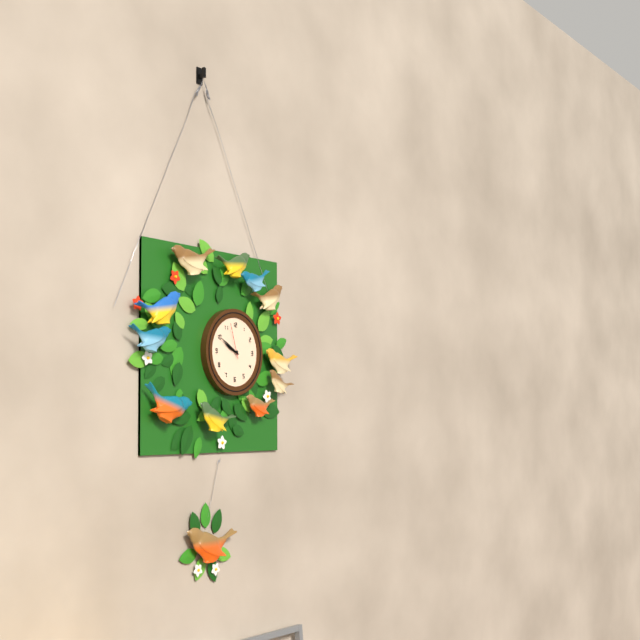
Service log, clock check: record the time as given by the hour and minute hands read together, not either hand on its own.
9:50
